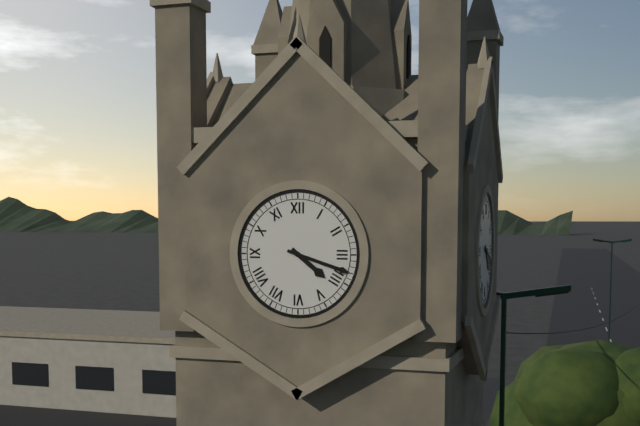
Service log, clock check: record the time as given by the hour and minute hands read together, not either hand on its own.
4:18
